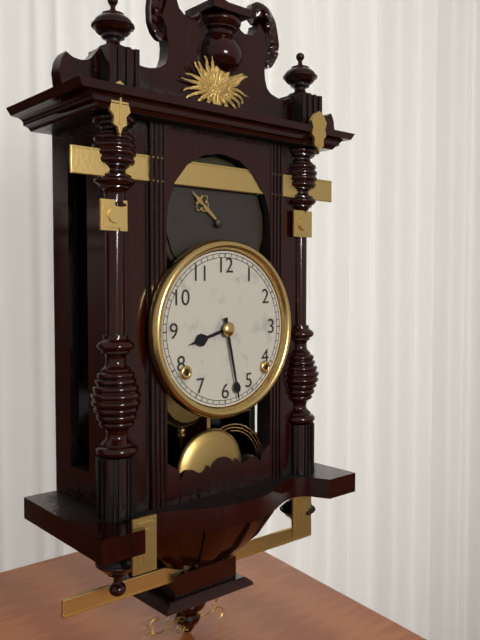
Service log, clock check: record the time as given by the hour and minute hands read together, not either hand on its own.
8:28
